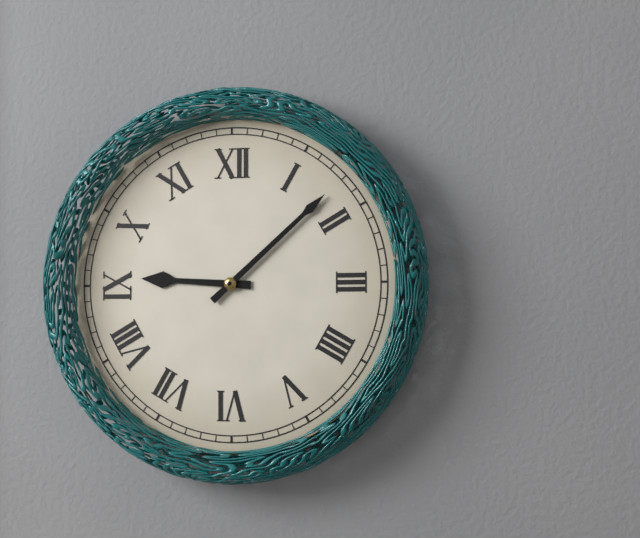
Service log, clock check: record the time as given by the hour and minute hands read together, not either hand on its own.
9:08
